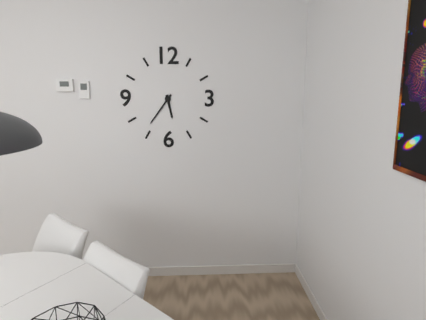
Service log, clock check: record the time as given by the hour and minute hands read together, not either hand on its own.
5:36
